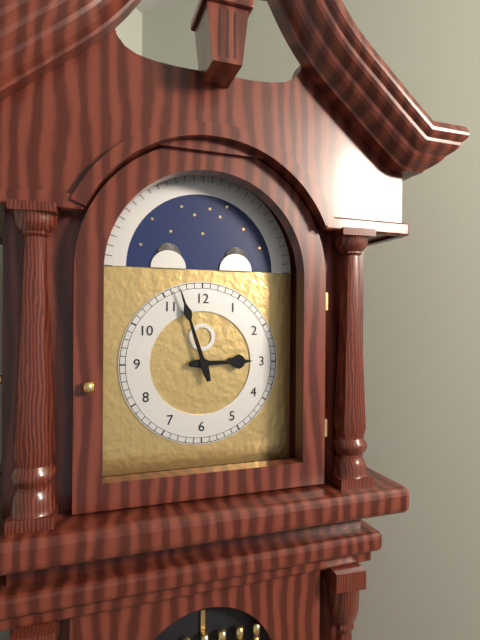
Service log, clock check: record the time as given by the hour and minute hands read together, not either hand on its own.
2:57
